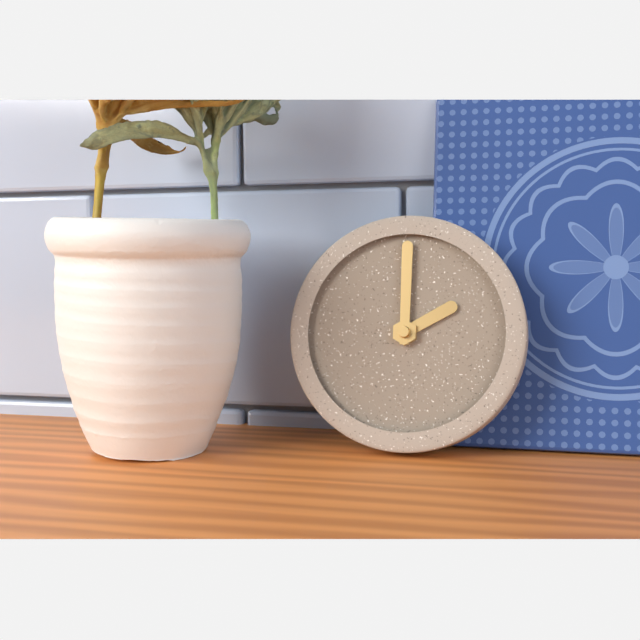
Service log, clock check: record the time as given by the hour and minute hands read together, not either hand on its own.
2:00
